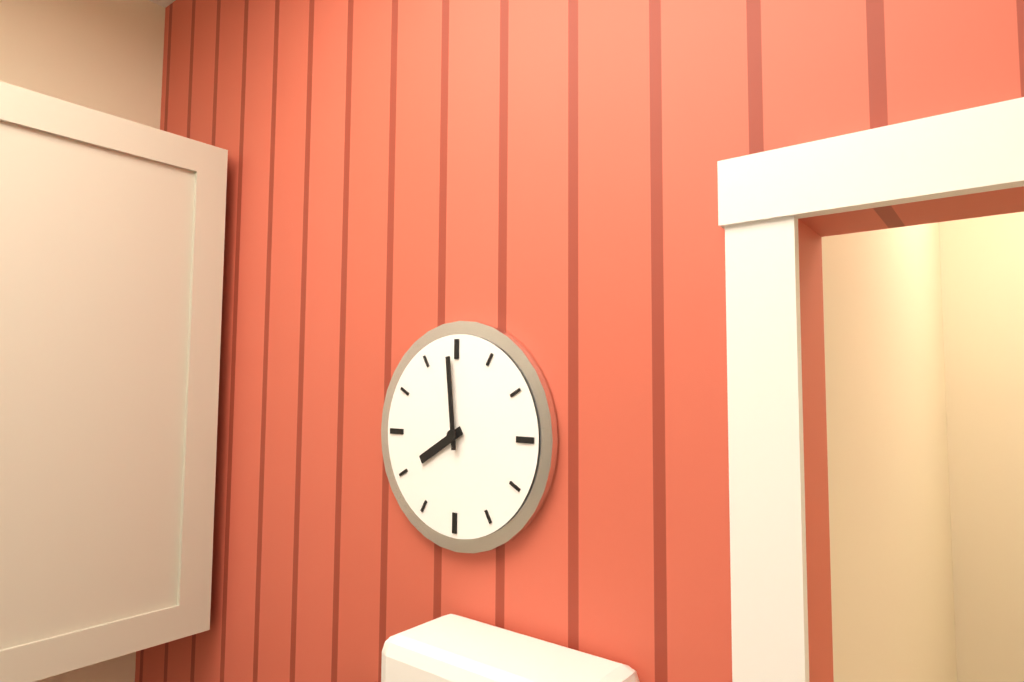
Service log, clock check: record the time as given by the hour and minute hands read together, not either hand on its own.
7:59
